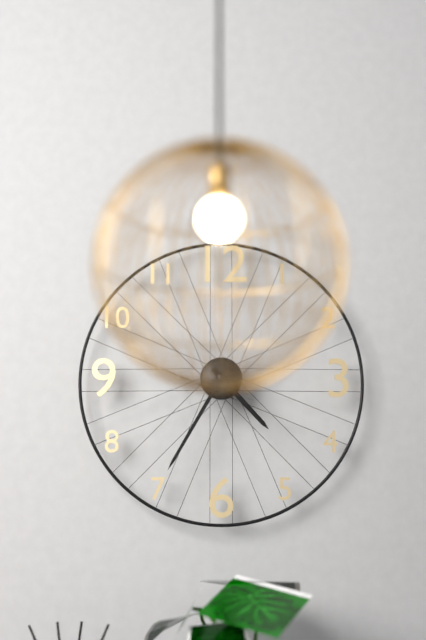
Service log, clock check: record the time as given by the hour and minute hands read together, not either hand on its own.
4:35
